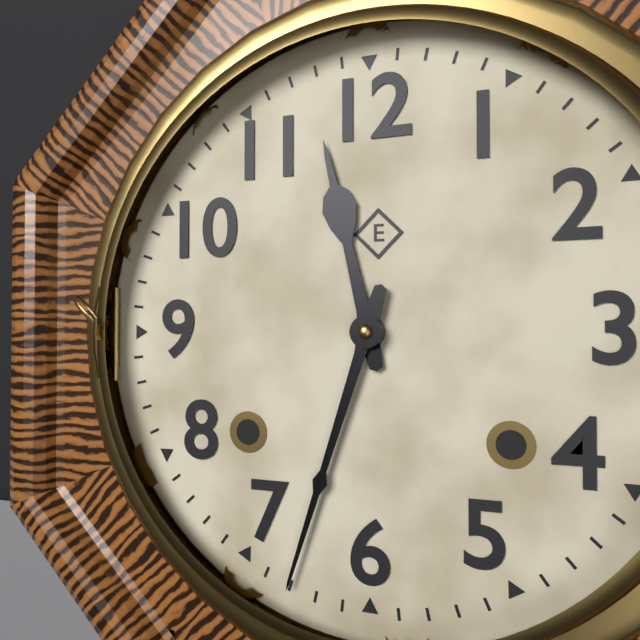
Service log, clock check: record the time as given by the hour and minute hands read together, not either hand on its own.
11:33
